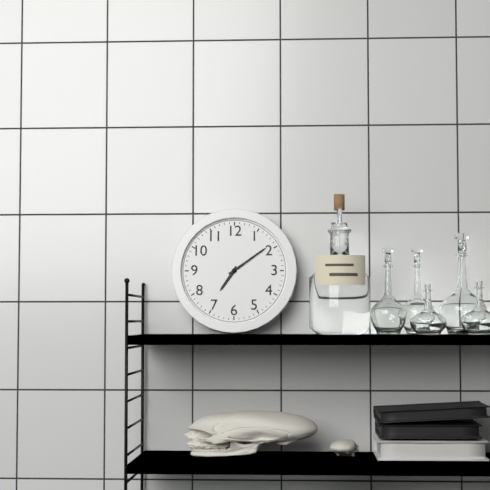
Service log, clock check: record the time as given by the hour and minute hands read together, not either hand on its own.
7:09
